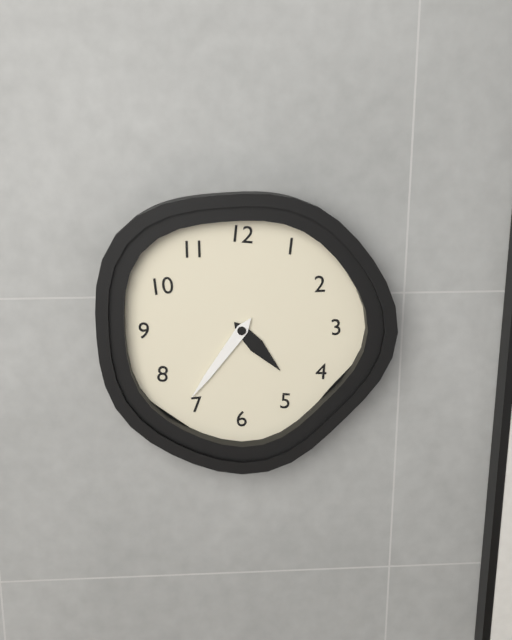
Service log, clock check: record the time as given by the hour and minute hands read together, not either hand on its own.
4:36
